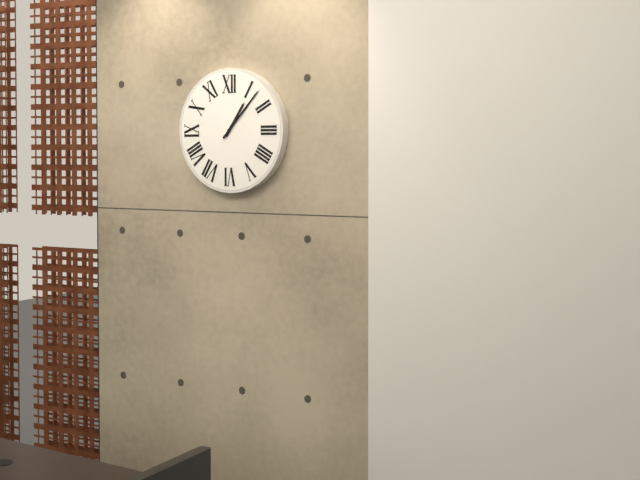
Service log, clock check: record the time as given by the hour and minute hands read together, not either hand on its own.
1:07
